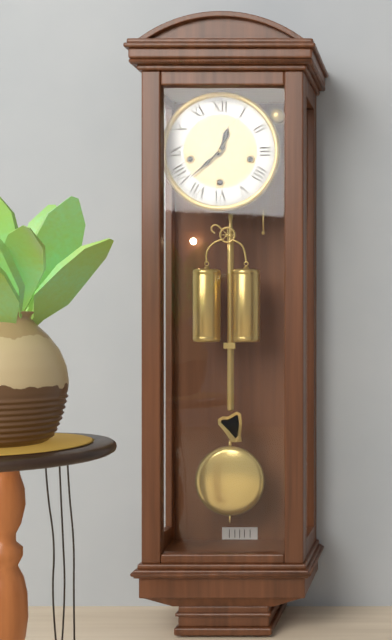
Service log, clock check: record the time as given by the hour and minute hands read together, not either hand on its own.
12:38
